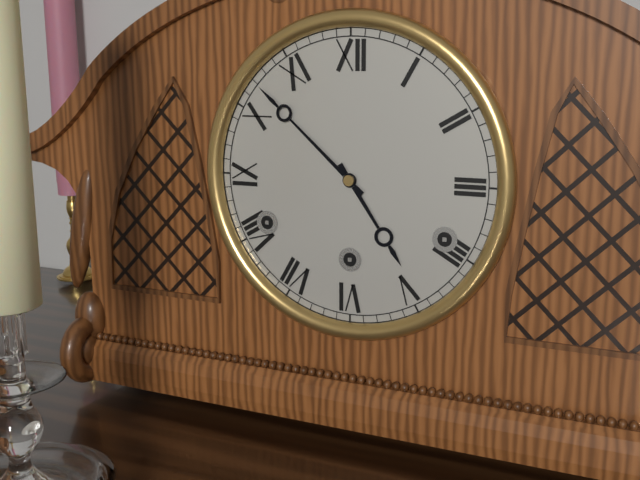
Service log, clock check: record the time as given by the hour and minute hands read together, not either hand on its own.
4:52
